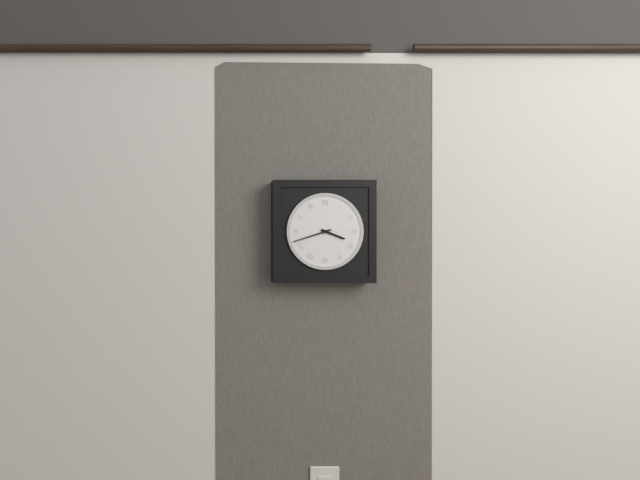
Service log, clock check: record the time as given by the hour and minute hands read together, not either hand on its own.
3:42
